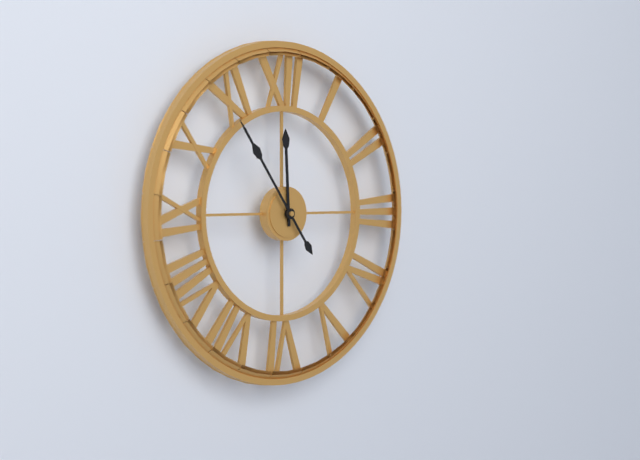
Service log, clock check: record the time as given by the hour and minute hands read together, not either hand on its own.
11:54
